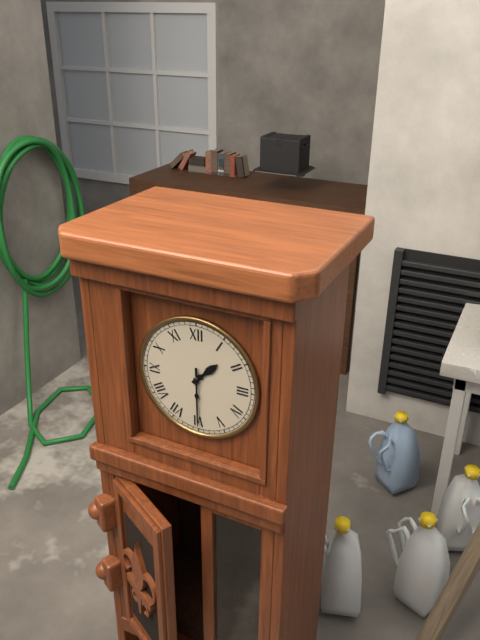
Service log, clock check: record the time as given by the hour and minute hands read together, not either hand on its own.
1:30
